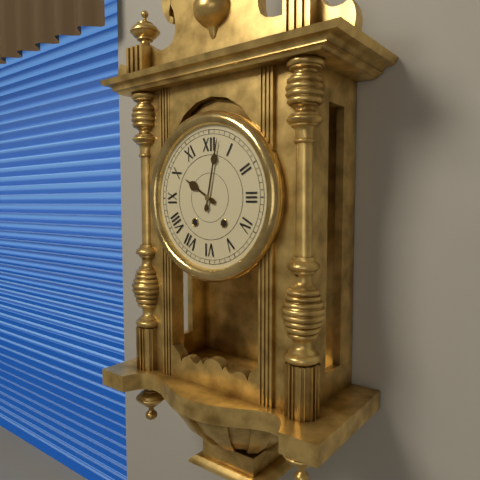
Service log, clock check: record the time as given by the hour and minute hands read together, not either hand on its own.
10:02
